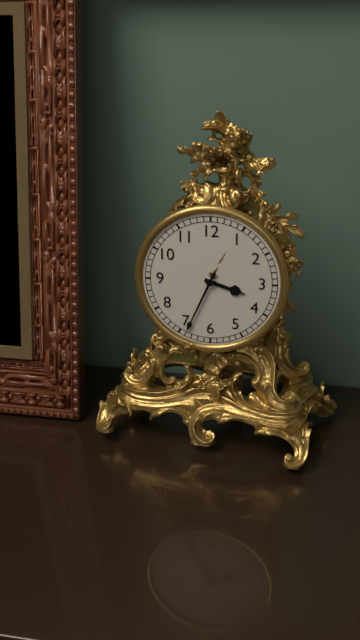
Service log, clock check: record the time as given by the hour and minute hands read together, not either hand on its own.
3:34
